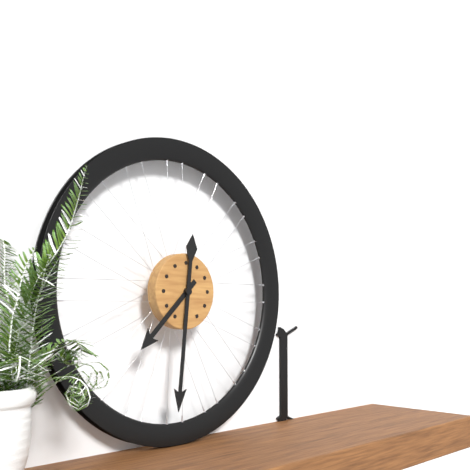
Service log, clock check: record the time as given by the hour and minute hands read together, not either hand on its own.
7:31
